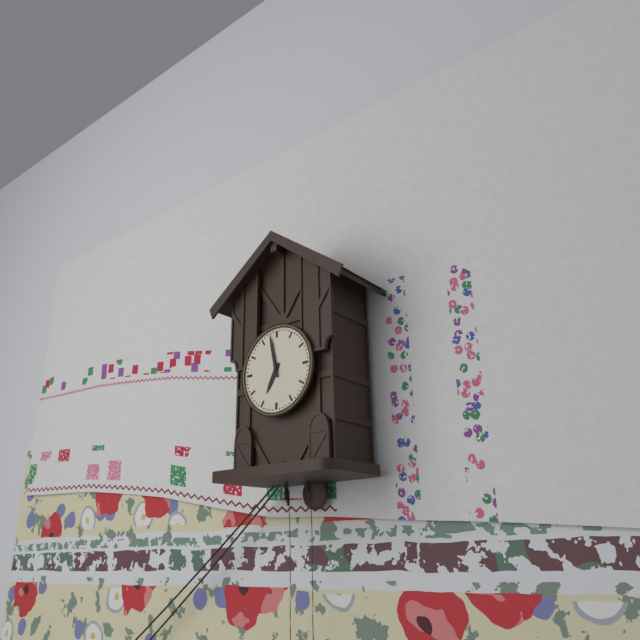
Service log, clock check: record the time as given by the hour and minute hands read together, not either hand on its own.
6:58
